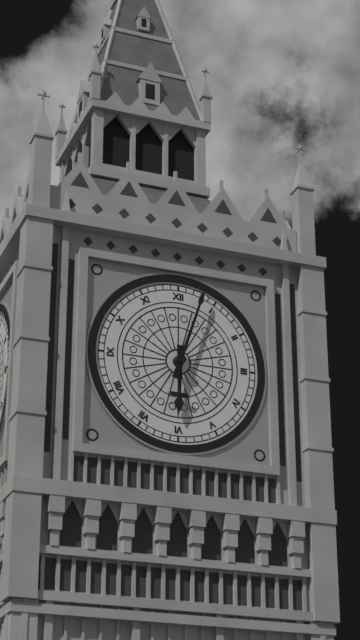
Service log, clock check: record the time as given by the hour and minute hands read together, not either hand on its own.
6:03
